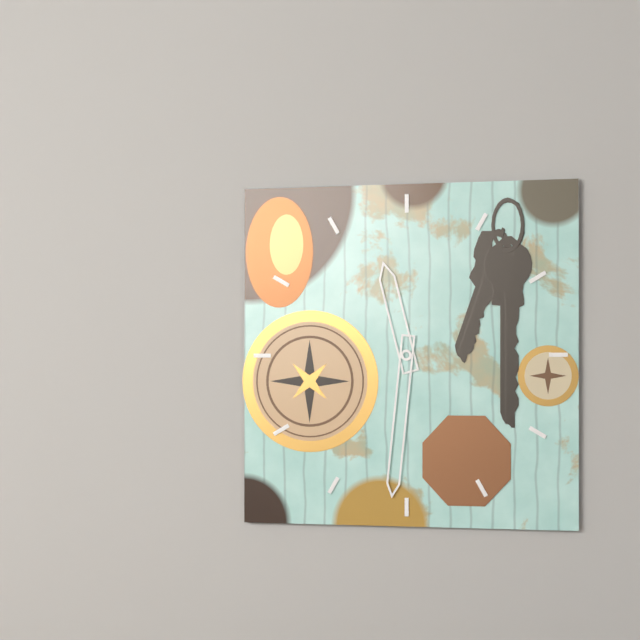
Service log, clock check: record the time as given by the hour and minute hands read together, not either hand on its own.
11:31
